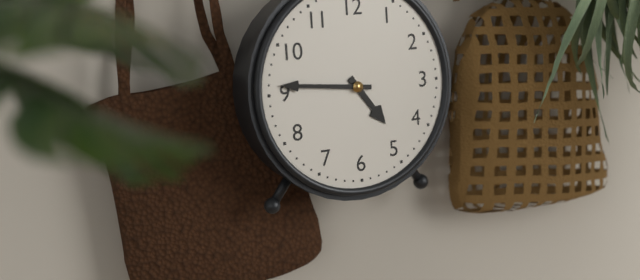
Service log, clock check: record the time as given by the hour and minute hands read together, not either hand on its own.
4:46
